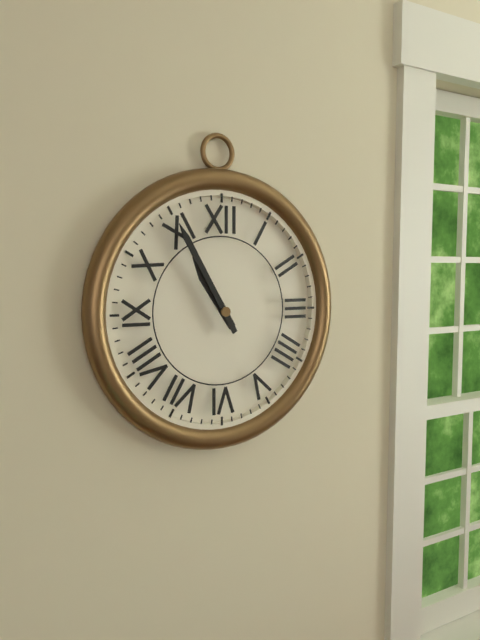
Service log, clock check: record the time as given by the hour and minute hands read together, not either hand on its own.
10:55
